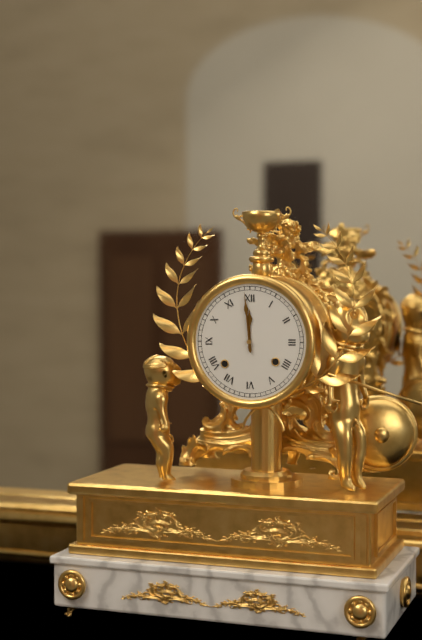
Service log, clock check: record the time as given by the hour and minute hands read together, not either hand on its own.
11:59
